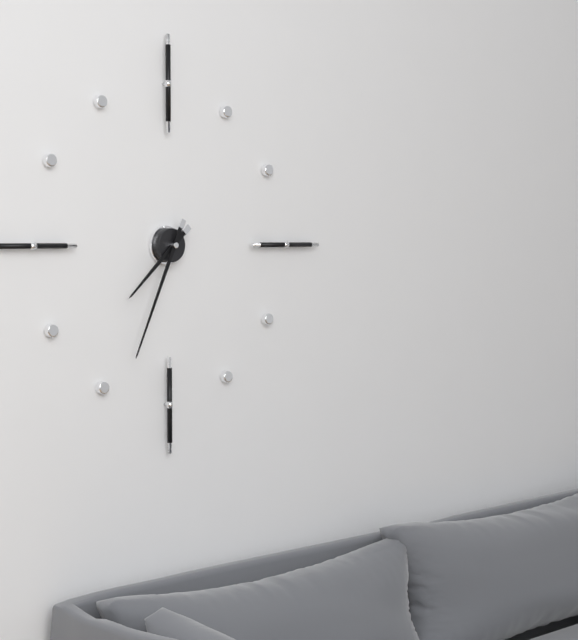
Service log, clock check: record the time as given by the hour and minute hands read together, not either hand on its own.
7:34
